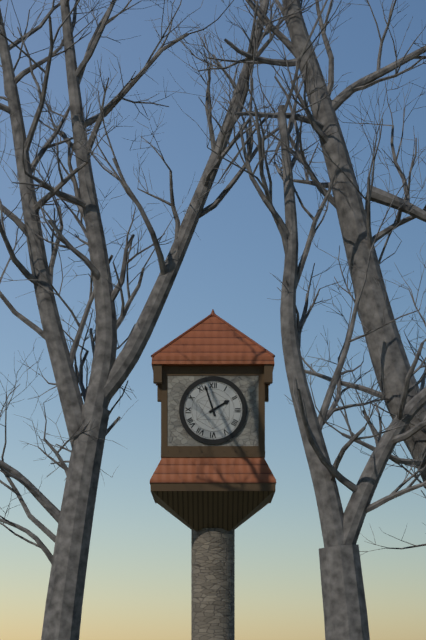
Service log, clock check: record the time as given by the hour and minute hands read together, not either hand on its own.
1:57
